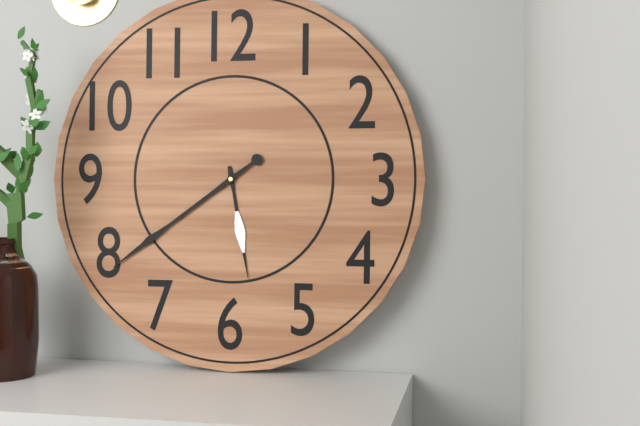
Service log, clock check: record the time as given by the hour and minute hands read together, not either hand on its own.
5:39
